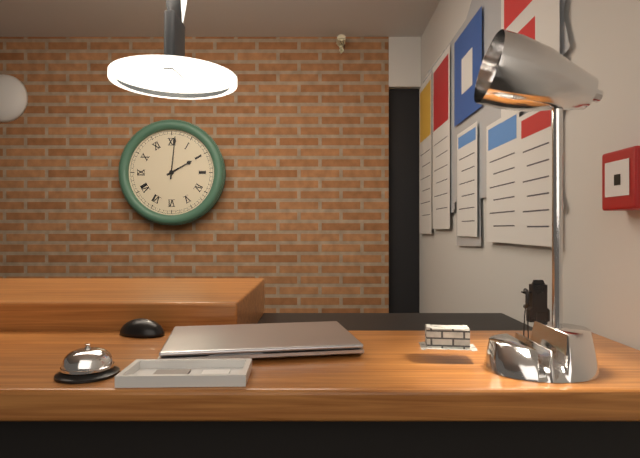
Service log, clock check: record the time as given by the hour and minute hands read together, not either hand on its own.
2:01
